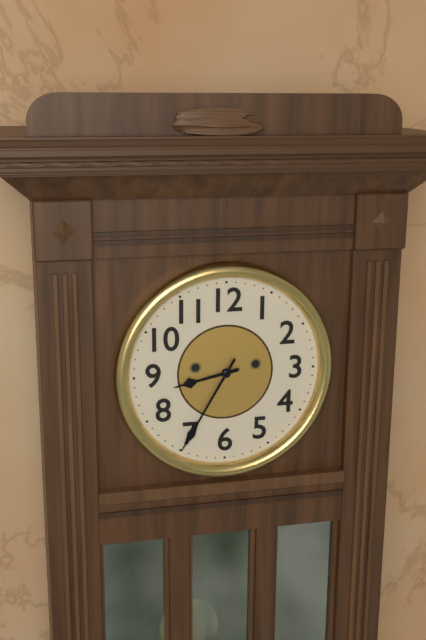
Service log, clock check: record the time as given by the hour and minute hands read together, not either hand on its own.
8:35
